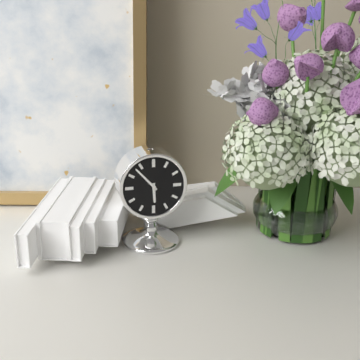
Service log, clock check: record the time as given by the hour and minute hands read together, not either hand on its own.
5:53
